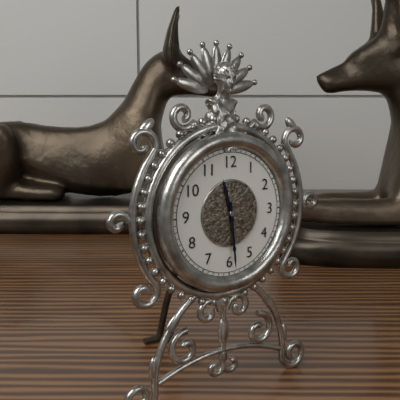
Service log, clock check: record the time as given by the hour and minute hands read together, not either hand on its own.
11:29
